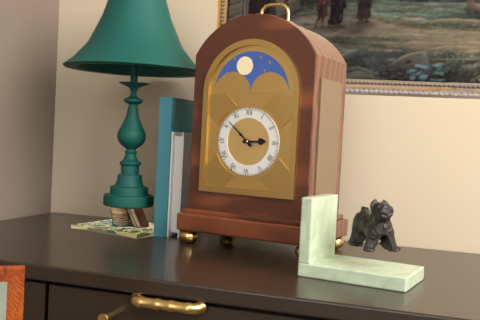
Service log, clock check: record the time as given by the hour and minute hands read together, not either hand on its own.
2:52
